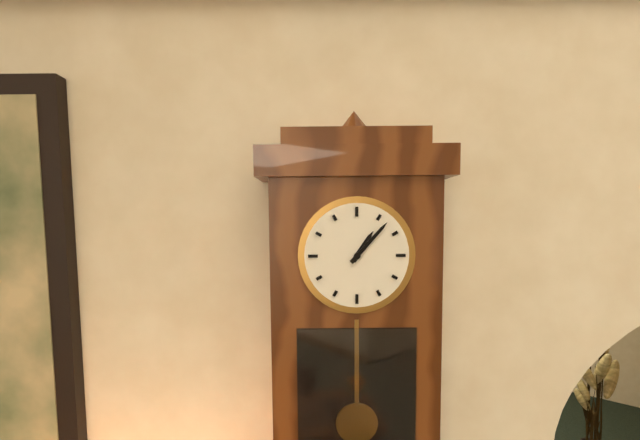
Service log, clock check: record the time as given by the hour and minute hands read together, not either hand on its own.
1:07
